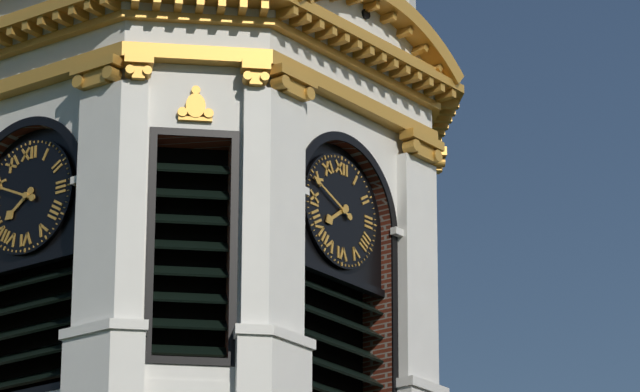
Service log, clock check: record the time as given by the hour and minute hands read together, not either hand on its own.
7:49
